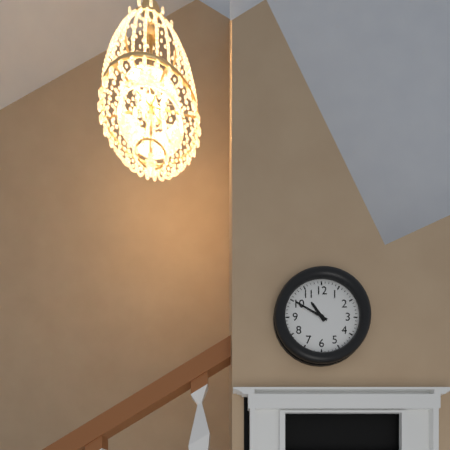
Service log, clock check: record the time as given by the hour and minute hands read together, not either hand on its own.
10:50
